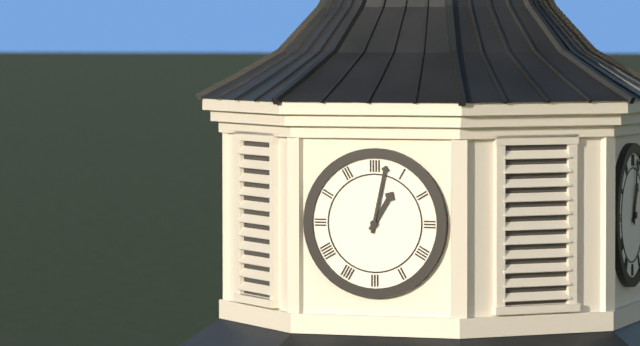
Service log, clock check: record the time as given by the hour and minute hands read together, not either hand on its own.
1:02
